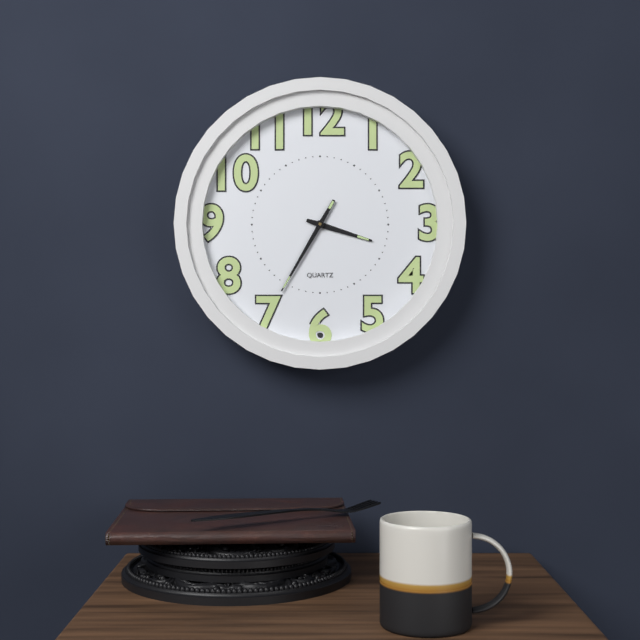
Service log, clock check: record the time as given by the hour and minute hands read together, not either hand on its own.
3:35
